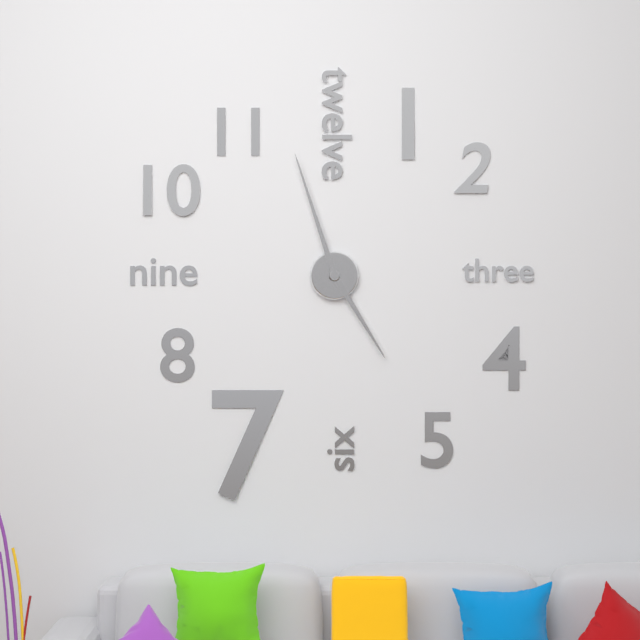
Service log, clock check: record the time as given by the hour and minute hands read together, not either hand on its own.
4:57
